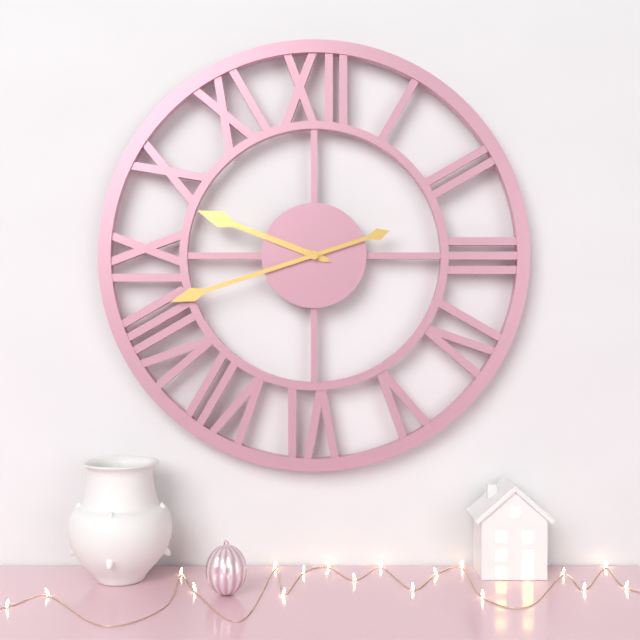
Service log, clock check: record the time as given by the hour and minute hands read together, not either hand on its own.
9:42
